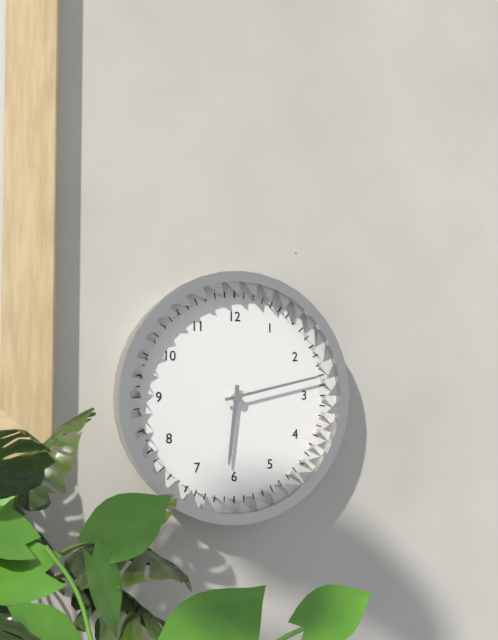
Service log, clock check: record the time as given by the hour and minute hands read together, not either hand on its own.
6:13
